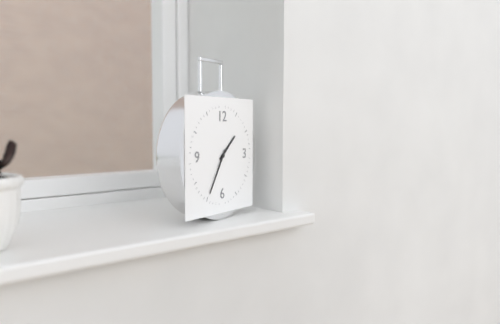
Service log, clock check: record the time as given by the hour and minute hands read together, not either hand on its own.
1:35
